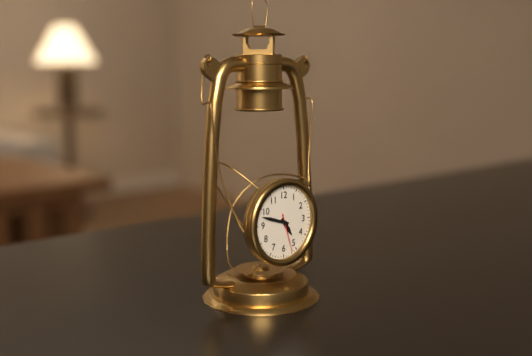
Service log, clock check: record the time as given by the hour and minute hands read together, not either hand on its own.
4:48
